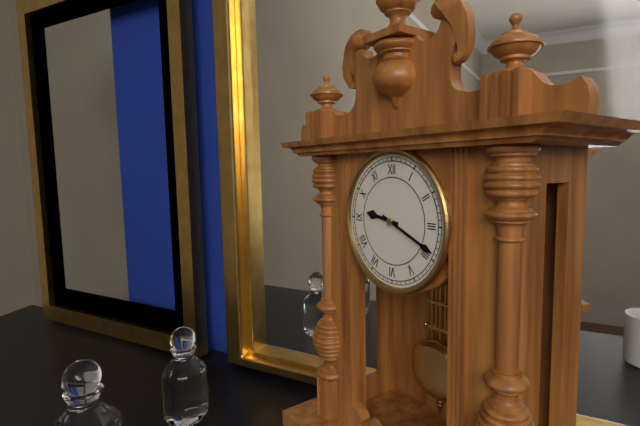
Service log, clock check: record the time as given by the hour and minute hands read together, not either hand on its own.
9:19
